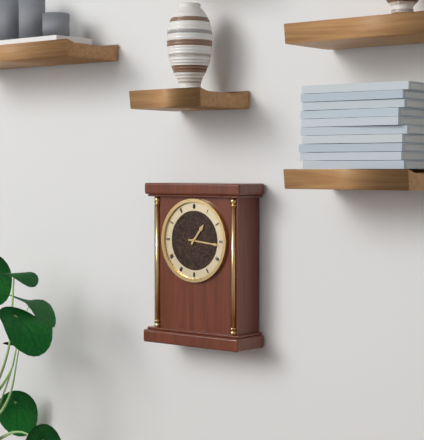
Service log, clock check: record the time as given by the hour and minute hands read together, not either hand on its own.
1:16
